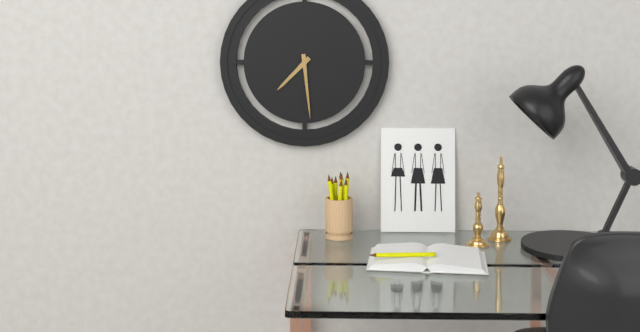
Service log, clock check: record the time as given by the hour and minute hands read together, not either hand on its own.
7:29
